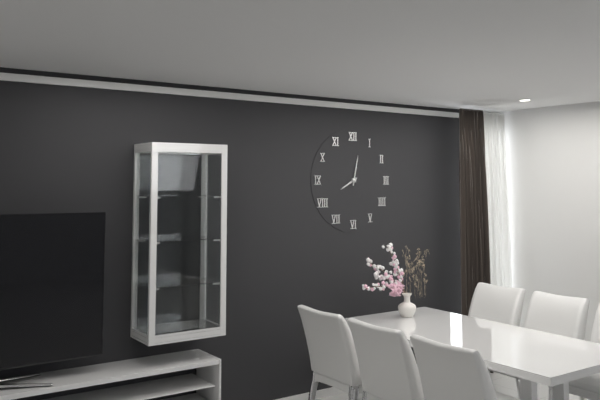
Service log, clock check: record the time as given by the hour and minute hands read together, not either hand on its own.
8:02
